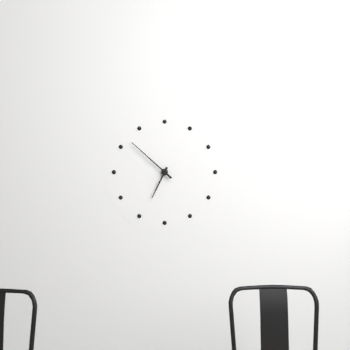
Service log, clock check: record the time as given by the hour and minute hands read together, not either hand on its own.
6:52
